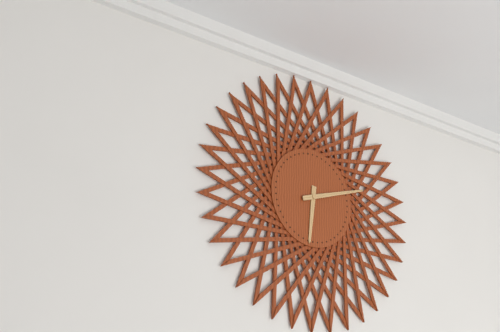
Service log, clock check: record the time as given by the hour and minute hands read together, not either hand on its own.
6:12
